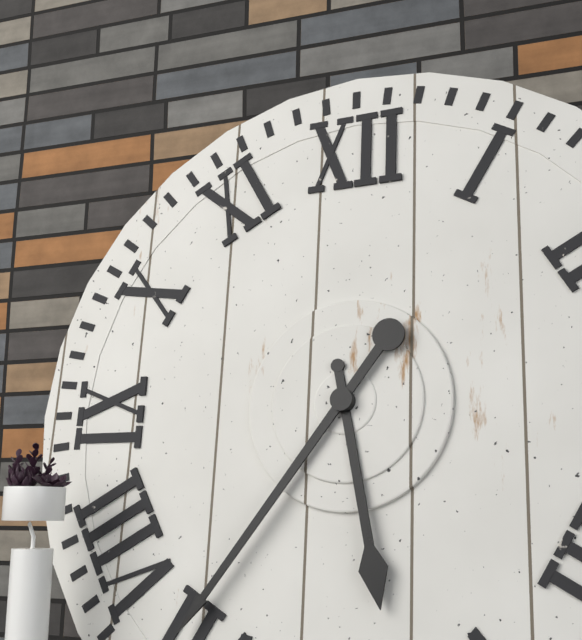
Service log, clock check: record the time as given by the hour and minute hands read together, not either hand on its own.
5:36
